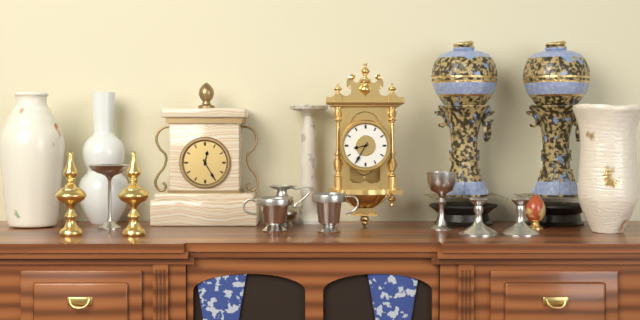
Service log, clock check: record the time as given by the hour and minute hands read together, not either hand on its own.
8:35
